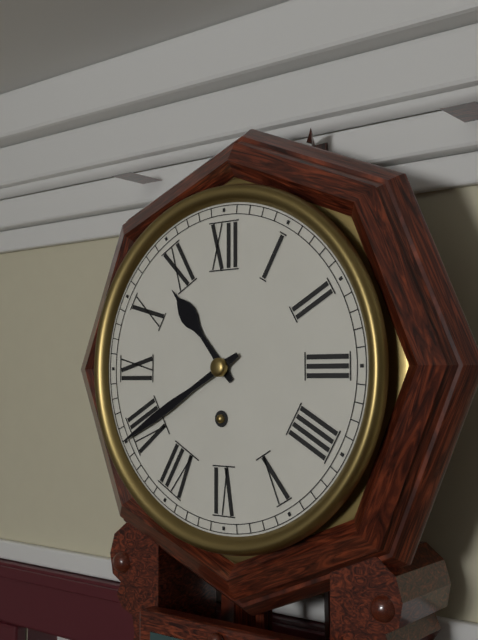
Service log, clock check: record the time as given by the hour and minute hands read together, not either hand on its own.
10:40
